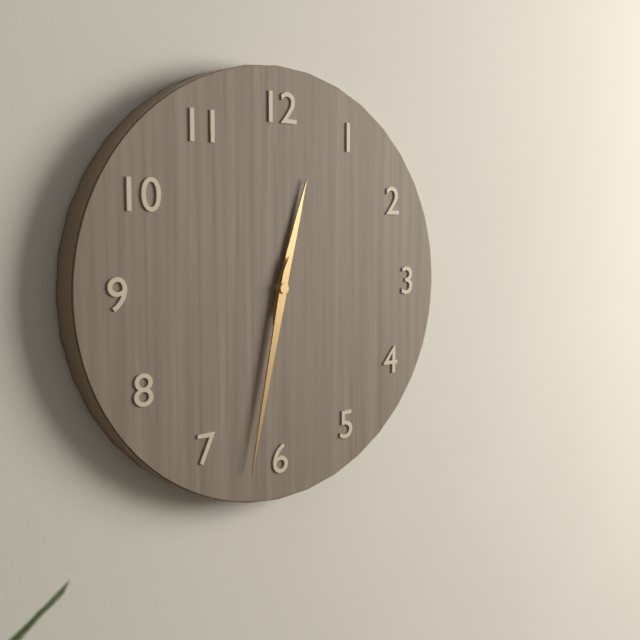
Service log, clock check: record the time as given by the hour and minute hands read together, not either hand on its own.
12:32
